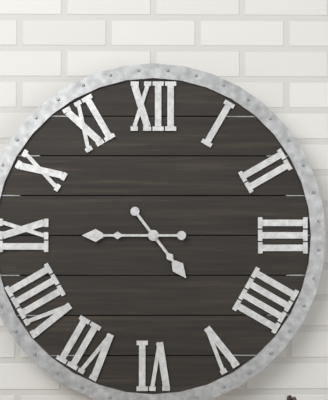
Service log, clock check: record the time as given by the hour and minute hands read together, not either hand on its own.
4:45
